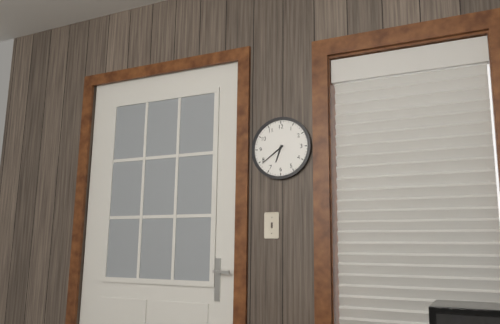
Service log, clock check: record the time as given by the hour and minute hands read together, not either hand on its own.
6:39
